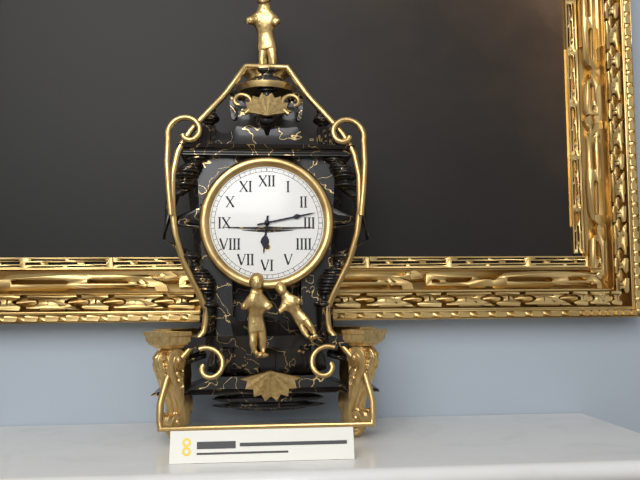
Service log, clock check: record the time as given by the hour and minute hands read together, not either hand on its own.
6:13
